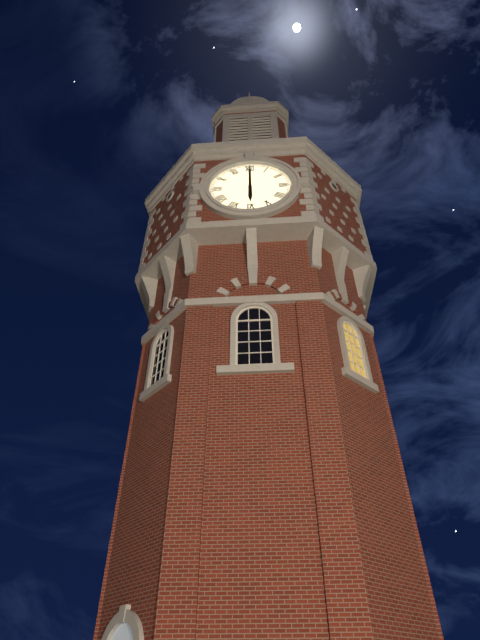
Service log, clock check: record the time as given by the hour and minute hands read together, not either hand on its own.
6:00
